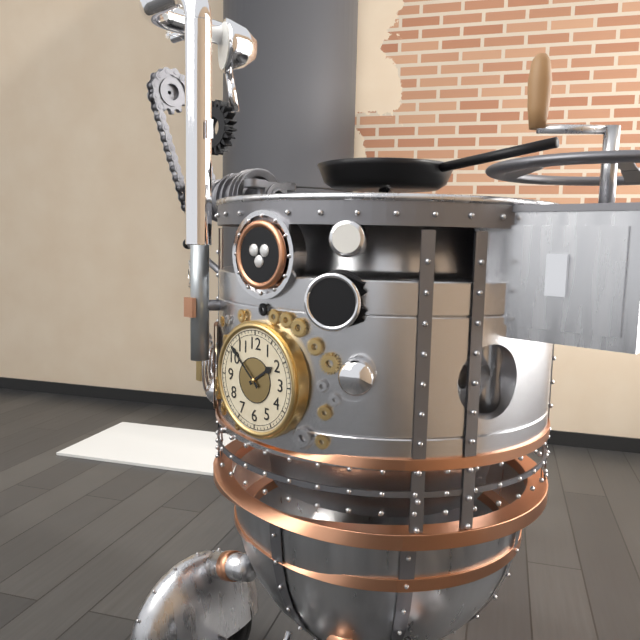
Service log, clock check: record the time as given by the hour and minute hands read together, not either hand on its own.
1:52
